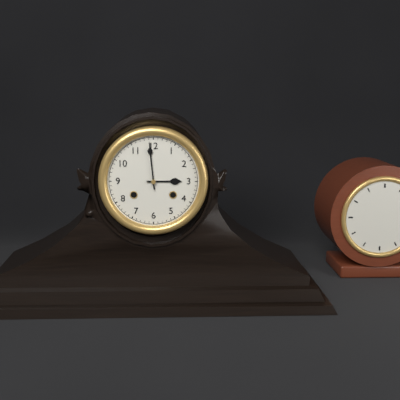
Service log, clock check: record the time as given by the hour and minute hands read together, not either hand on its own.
2:59
